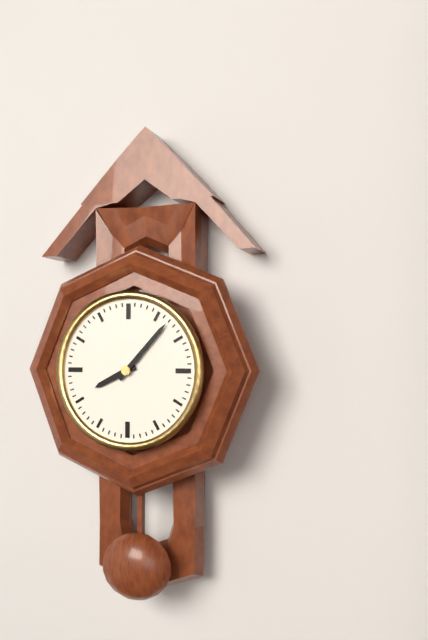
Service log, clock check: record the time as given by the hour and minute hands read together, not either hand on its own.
8:07
